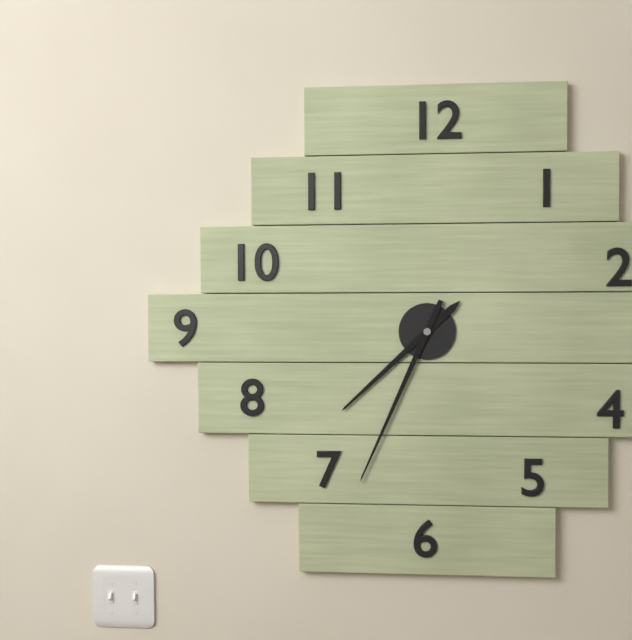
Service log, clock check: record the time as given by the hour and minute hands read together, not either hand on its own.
7:34
